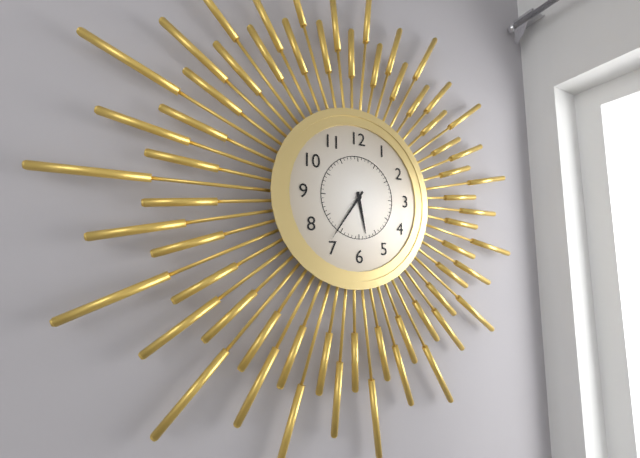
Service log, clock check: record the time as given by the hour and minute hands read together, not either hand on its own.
5:36
